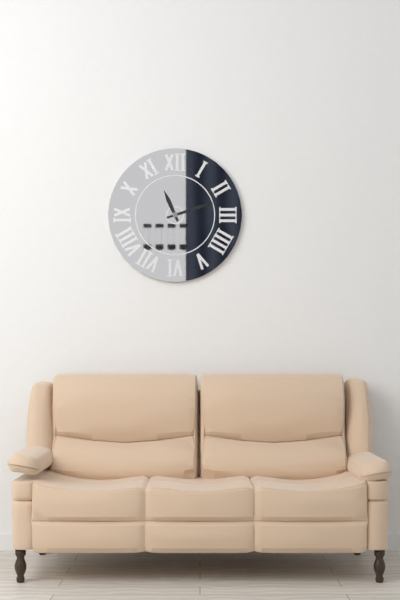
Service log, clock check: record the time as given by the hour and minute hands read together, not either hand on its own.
11:12
